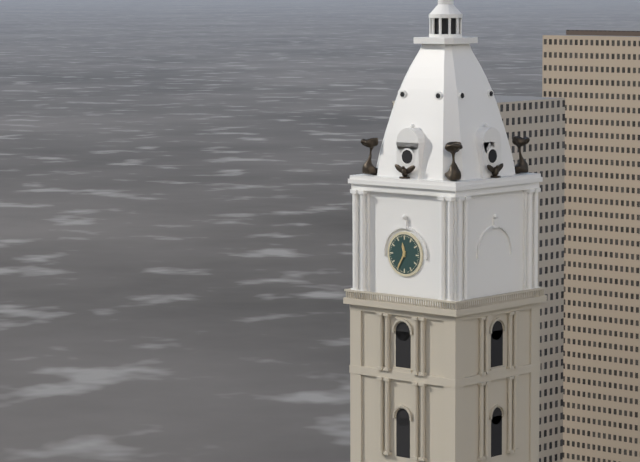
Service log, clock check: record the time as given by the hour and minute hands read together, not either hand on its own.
11:35
